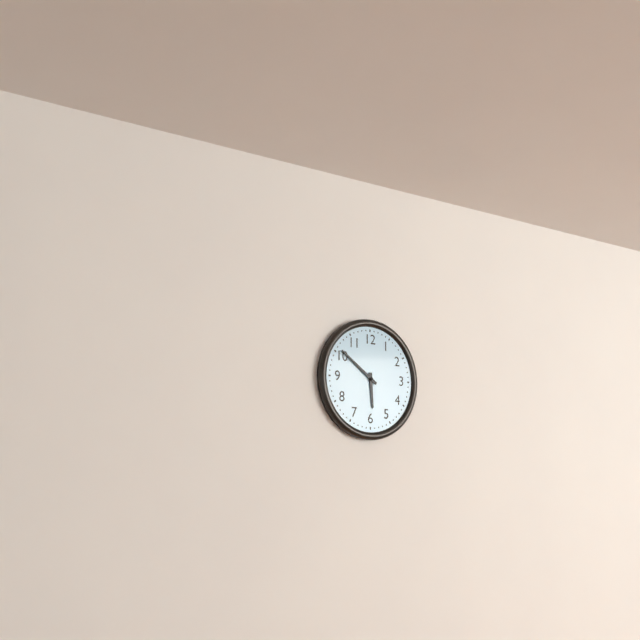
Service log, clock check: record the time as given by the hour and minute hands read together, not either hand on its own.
5:51
